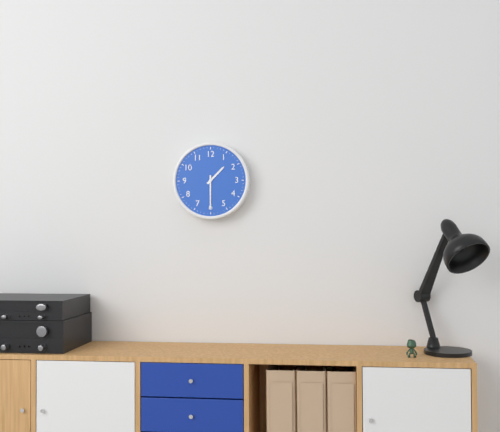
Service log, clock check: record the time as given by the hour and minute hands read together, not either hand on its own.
1:30
